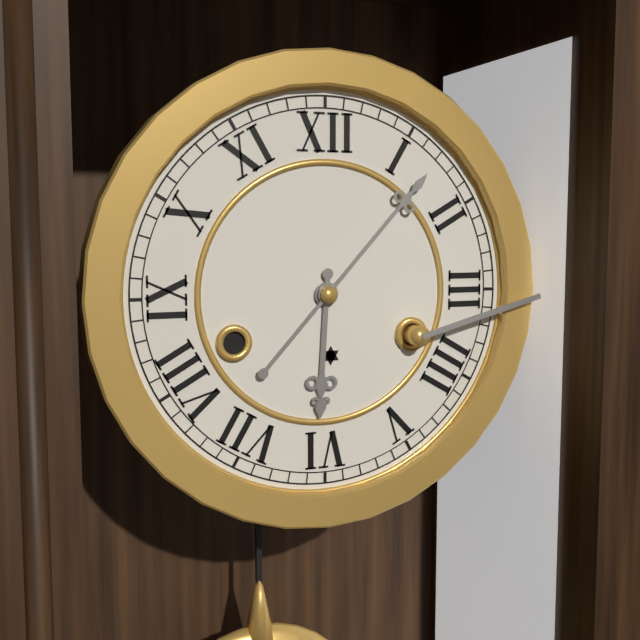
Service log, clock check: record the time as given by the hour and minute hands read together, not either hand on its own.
6:07
